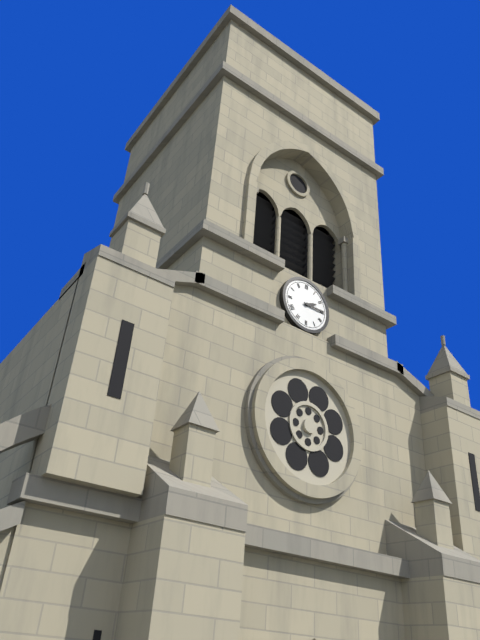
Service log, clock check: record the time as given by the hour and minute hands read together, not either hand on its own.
2:15
